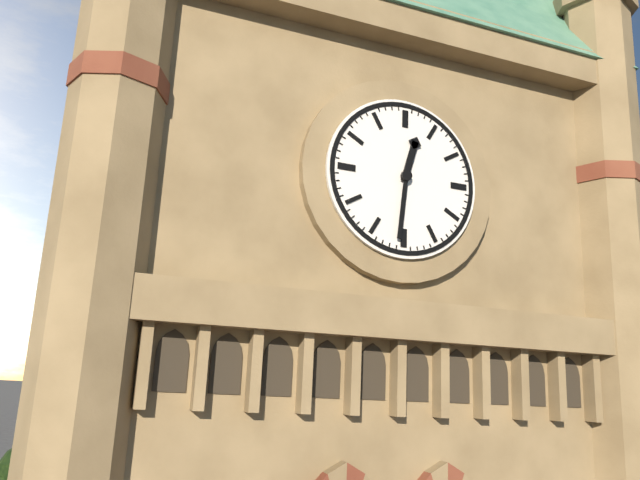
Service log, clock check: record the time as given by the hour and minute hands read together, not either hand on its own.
12:31
